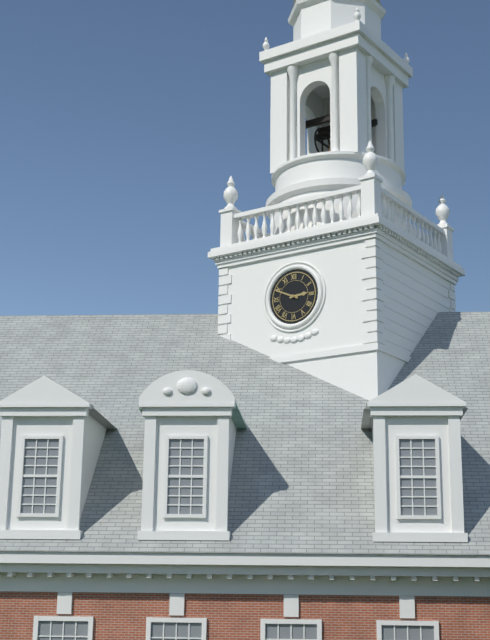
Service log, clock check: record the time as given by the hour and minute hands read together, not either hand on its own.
2:49
